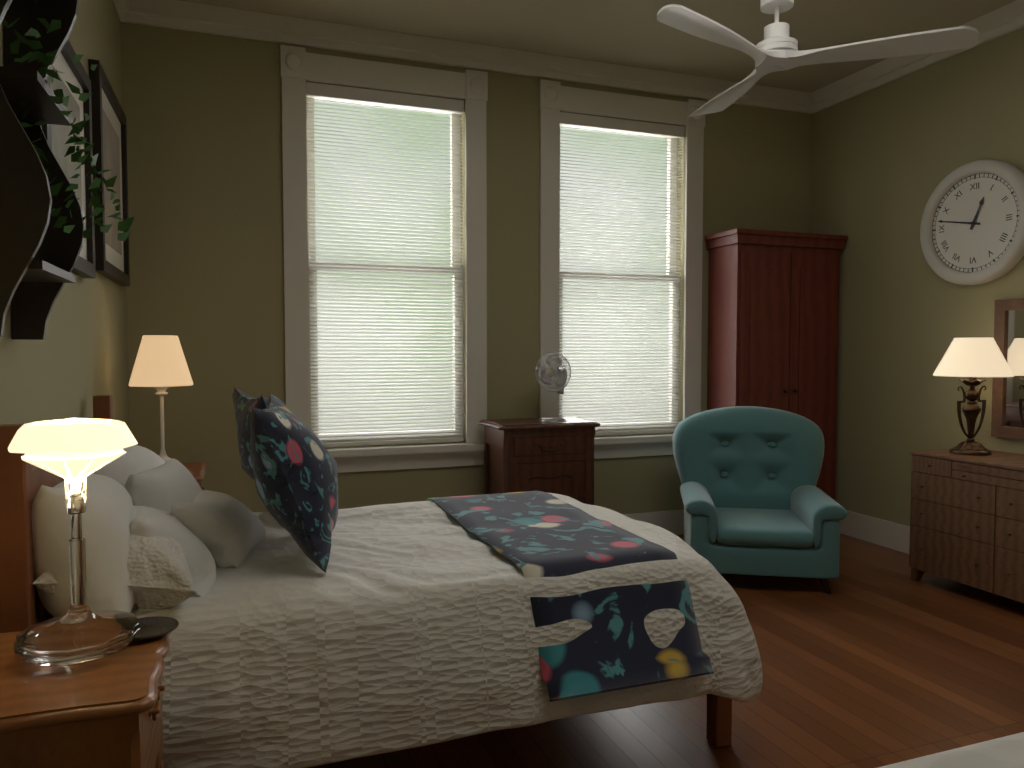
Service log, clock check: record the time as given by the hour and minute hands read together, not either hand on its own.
12:47
